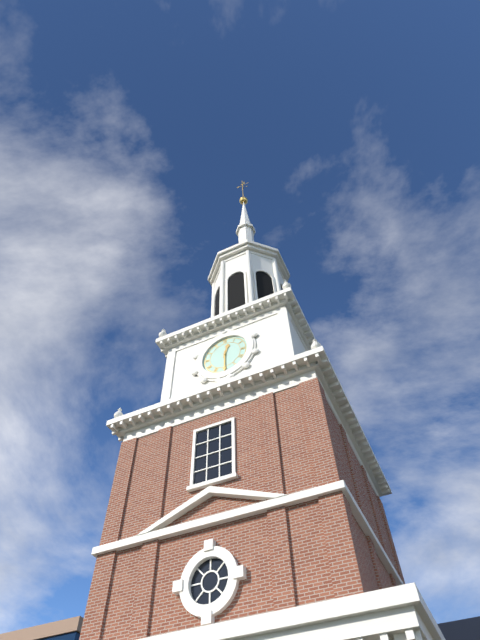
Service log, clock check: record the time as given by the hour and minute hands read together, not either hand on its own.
12:30
